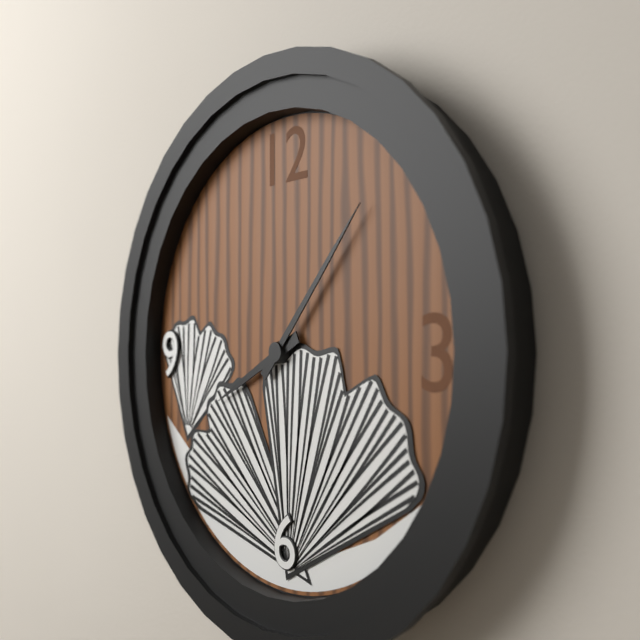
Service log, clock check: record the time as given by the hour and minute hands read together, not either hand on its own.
8:07
